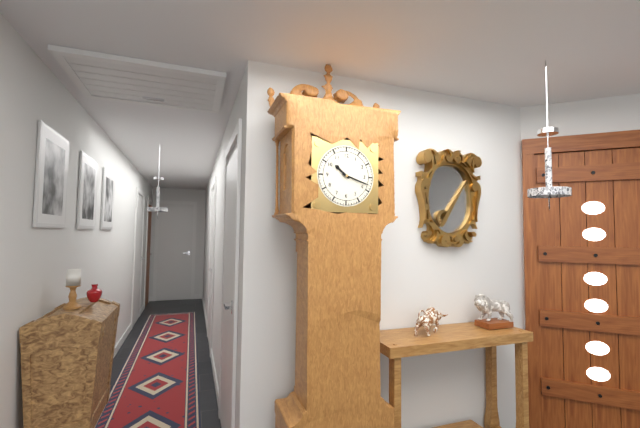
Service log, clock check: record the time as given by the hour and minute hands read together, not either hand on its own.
10:18
